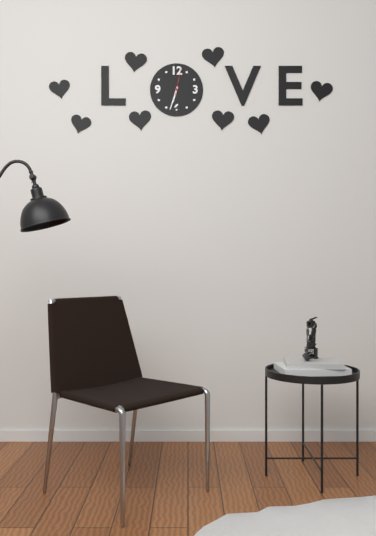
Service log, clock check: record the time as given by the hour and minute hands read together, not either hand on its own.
6:33
